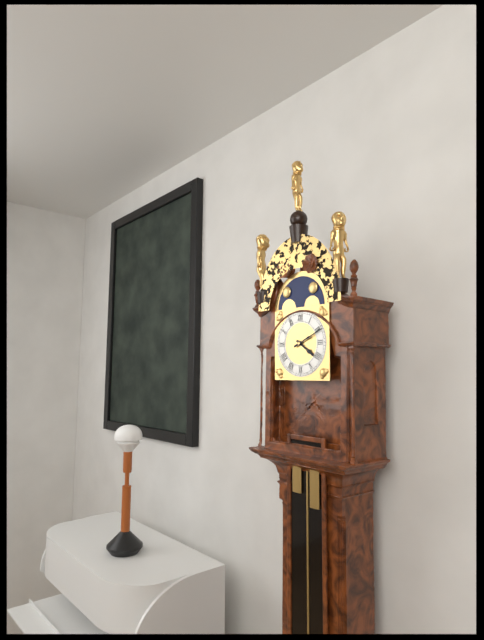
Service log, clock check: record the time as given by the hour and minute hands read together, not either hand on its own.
4:11
